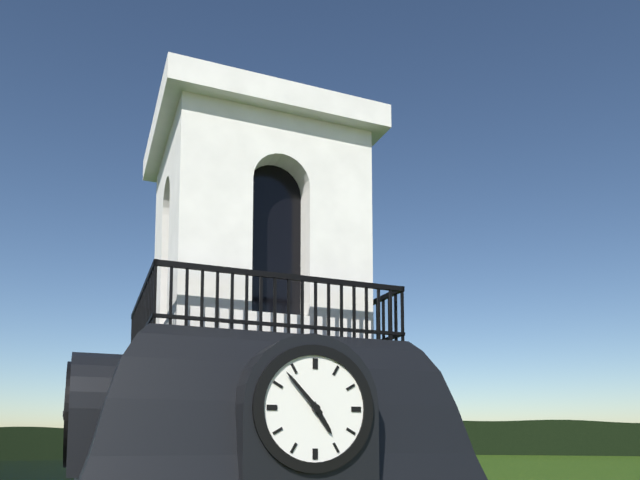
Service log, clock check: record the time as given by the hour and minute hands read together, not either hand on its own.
4:53
